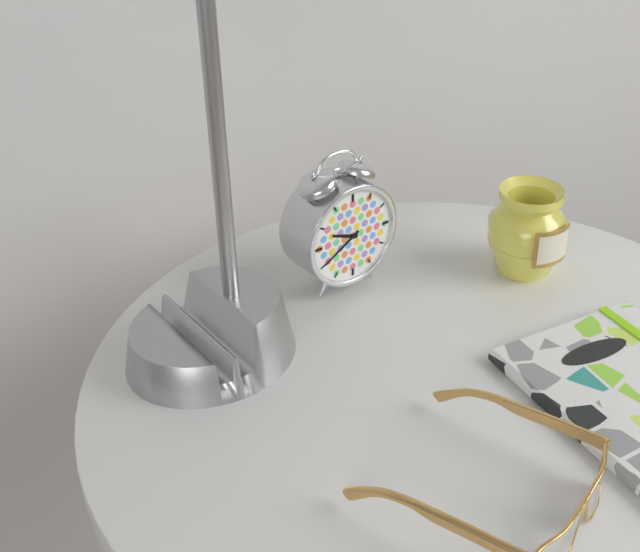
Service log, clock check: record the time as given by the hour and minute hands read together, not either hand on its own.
9:40
